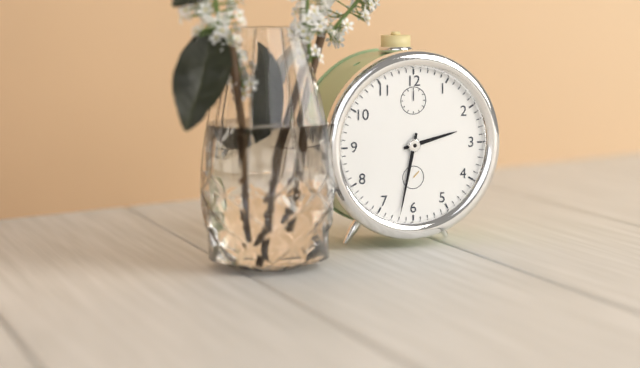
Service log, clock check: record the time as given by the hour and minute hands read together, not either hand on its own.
2:32
